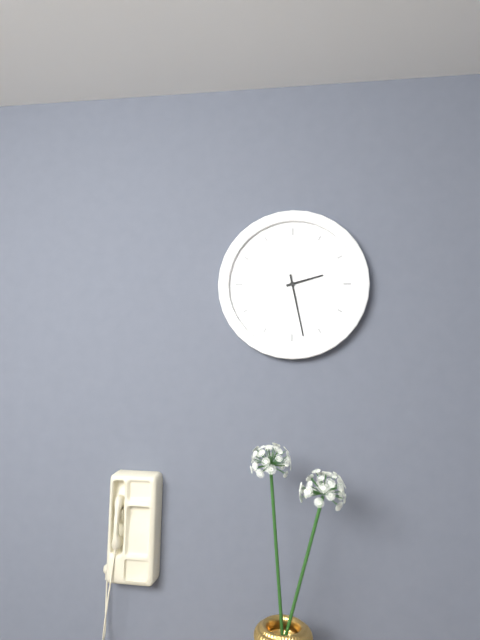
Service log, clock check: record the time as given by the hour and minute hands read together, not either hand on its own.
2:28
